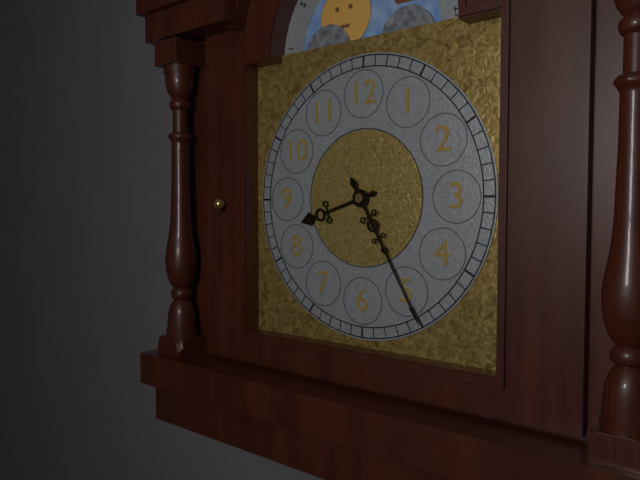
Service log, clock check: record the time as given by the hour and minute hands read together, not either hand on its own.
8:25
